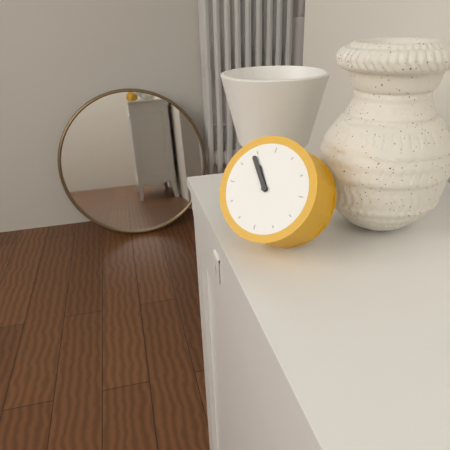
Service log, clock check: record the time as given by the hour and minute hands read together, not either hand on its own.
10:54
